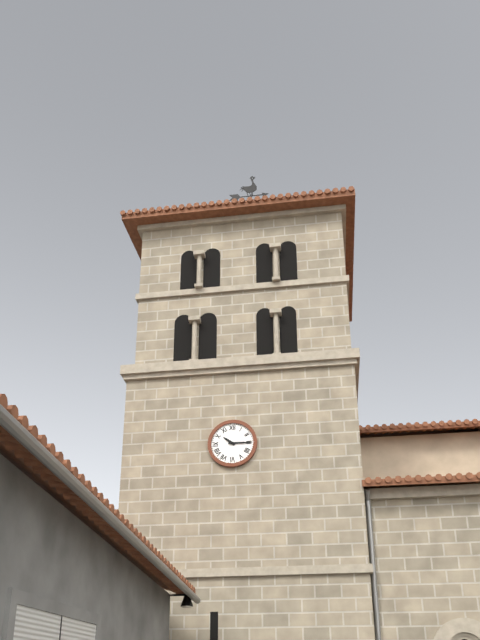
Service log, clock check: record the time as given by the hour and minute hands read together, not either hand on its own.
10:15
